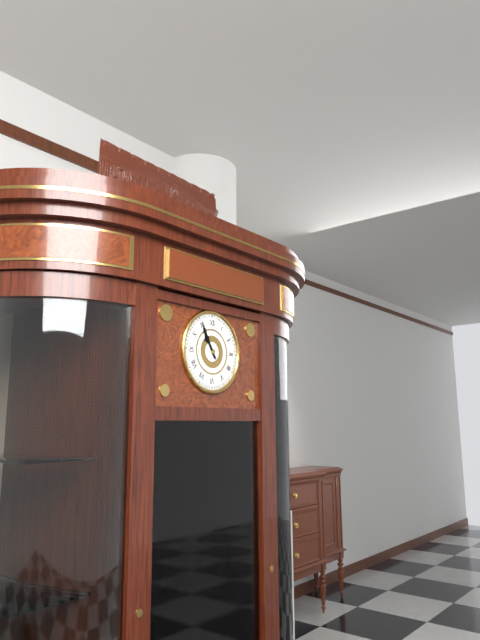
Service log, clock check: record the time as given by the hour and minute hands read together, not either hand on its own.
10:55
